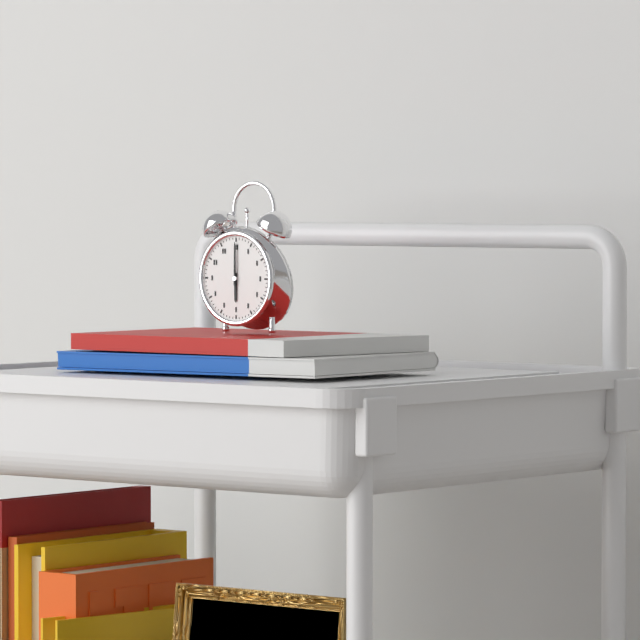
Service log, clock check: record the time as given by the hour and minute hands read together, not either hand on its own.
6:00
